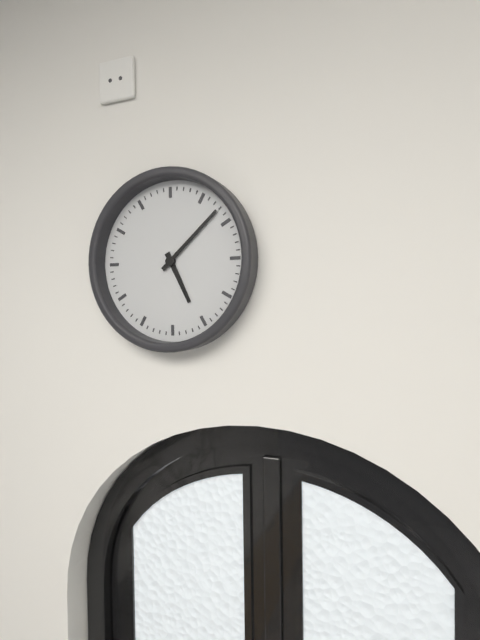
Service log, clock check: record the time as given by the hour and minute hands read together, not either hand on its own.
5:08
